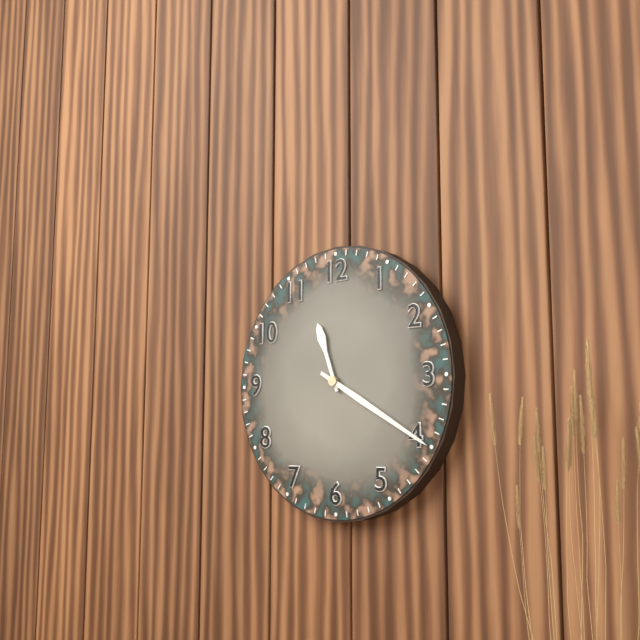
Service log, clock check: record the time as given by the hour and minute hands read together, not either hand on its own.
11:20
